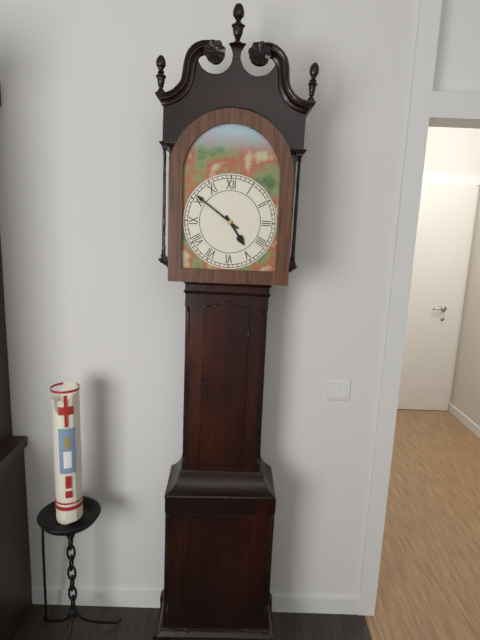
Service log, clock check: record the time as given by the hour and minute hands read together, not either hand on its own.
4:51
